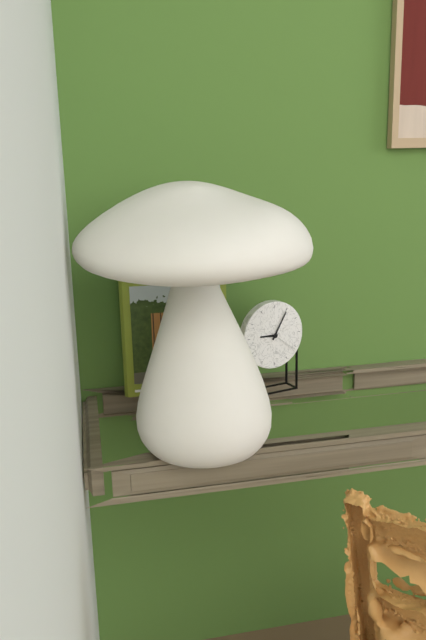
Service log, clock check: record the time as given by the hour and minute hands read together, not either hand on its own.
9:05
